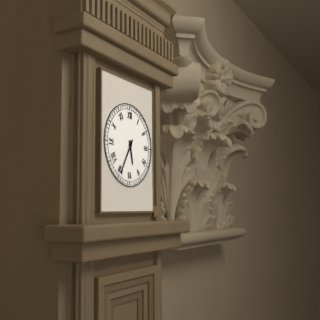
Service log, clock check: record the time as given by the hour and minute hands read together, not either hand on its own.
5:35
